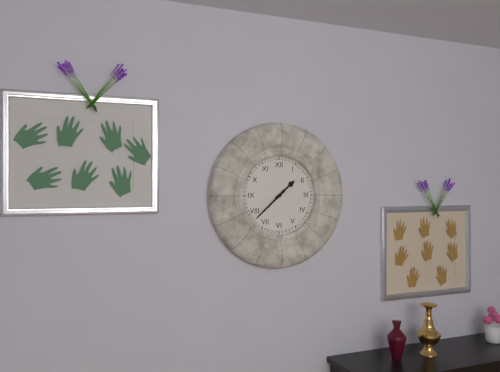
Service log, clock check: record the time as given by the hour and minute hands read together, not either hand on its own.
1:38
